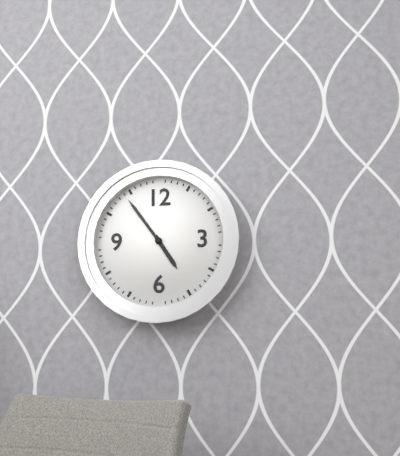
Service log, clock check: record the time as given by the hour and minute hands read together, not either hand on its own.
4:54
